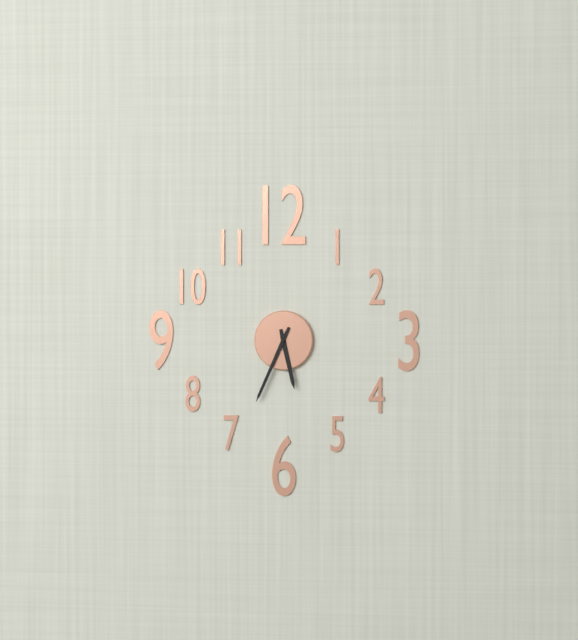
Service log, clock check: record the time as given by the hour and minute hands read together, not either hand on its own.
5:34
